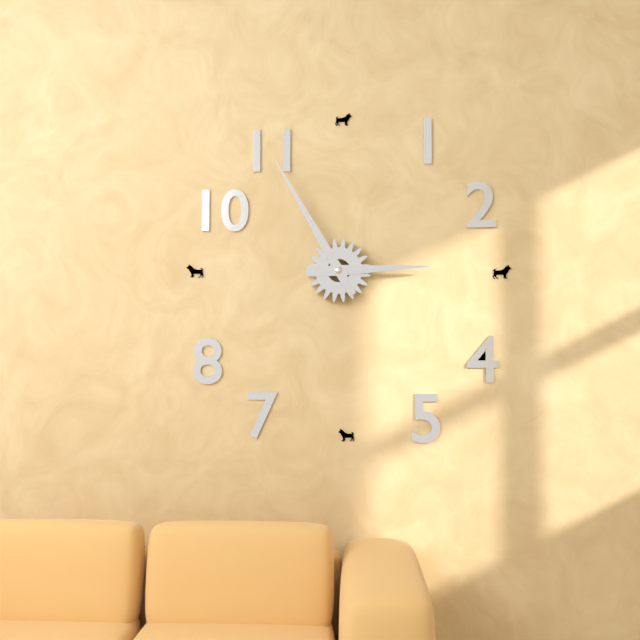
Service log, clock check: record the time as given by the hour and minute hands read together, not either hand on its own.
2:55
